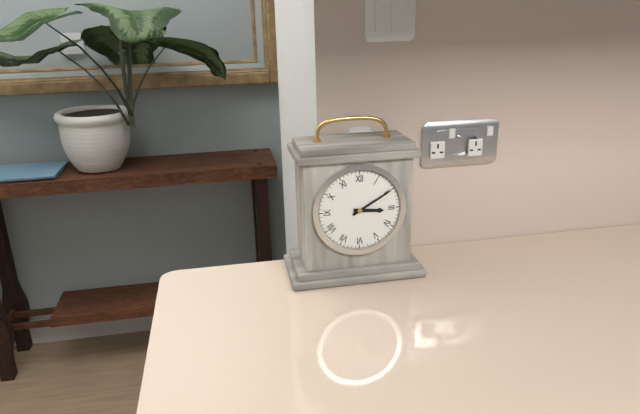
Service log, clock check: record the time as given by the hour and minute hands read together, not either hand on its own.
3:10
